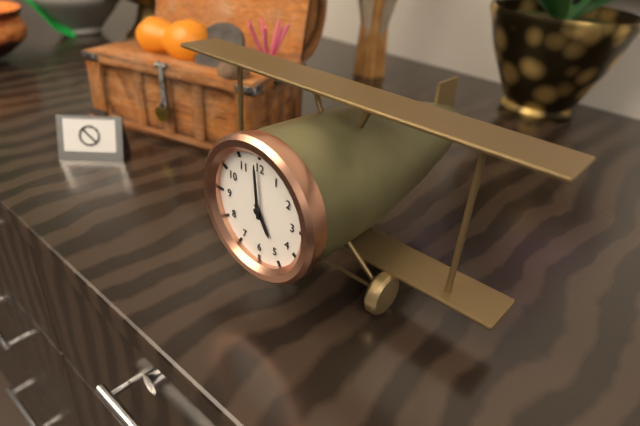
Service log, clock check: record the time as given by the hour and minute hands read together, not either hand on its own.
4:59
